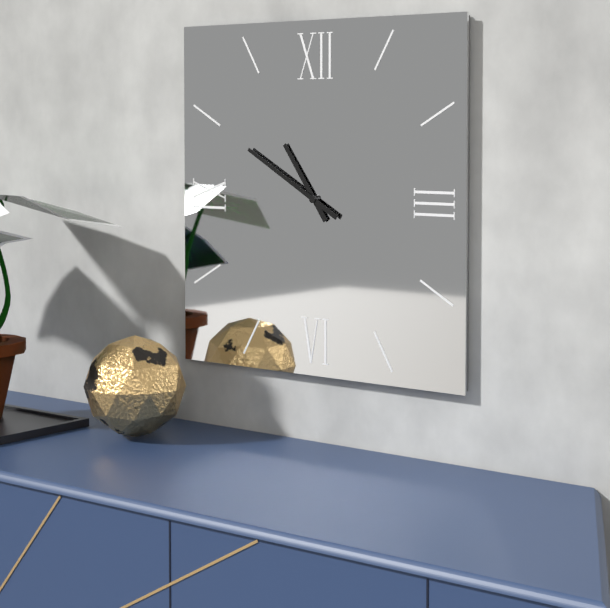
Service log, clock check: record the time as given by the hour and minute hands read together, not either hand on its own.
10:50
